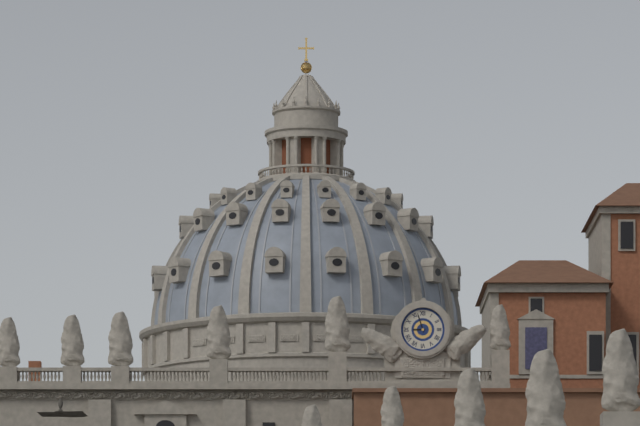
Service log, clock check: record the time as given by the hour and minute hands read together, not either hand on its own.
8:57
